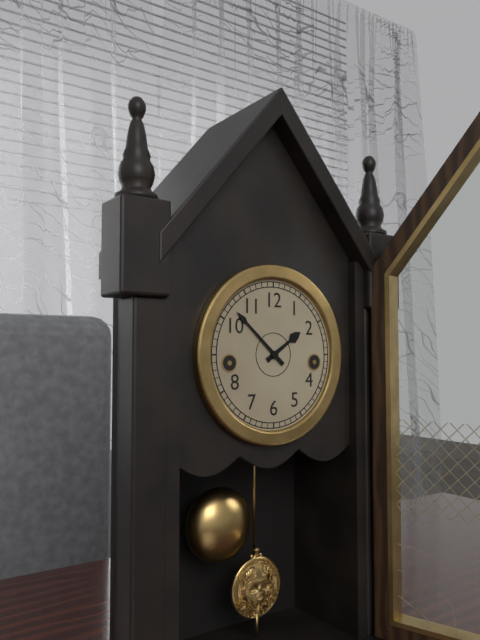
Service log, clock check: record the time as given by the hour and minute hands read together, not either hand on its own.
1:52
